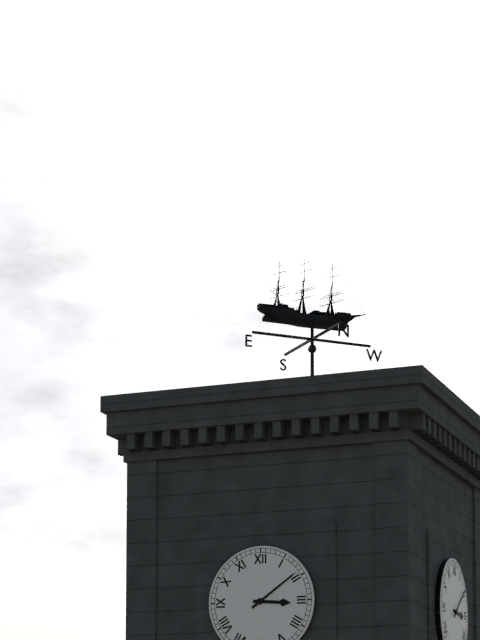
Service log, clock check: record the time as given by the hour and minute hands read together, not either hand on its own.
3:09
